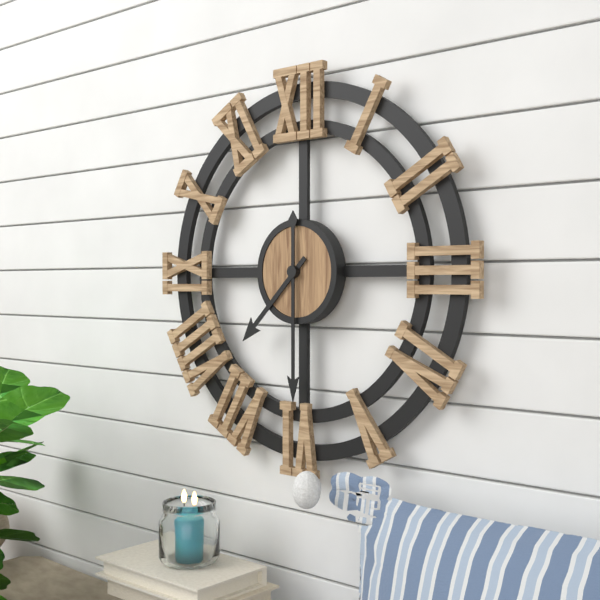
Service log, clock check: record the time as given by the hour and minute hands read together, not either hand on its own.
7:30
